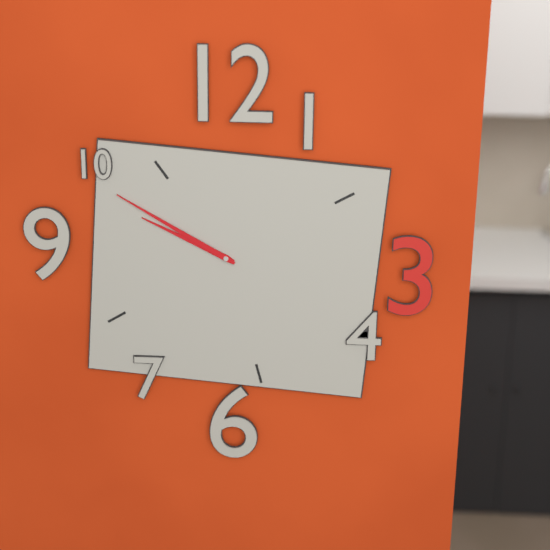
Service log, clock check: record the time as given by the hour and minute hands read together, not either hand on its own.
9:50
